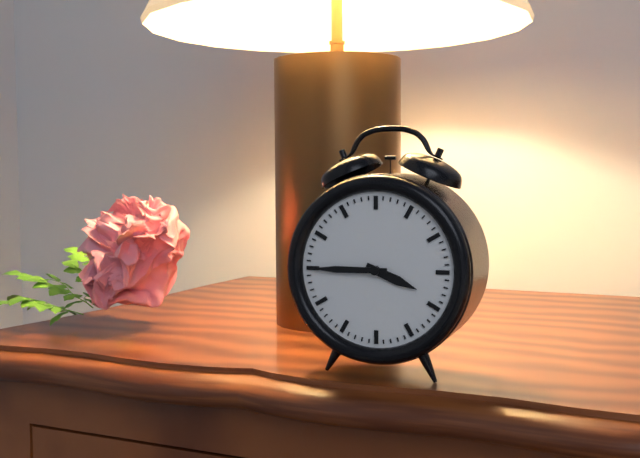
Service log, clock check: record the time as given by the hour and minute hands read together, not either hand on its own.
3:45
